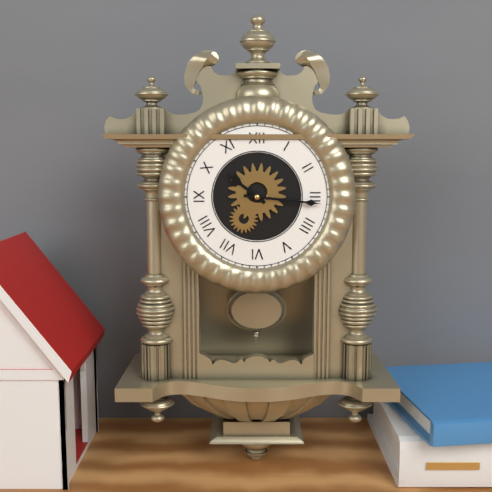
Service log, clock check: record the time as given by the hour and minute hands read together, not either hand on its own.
10:16
